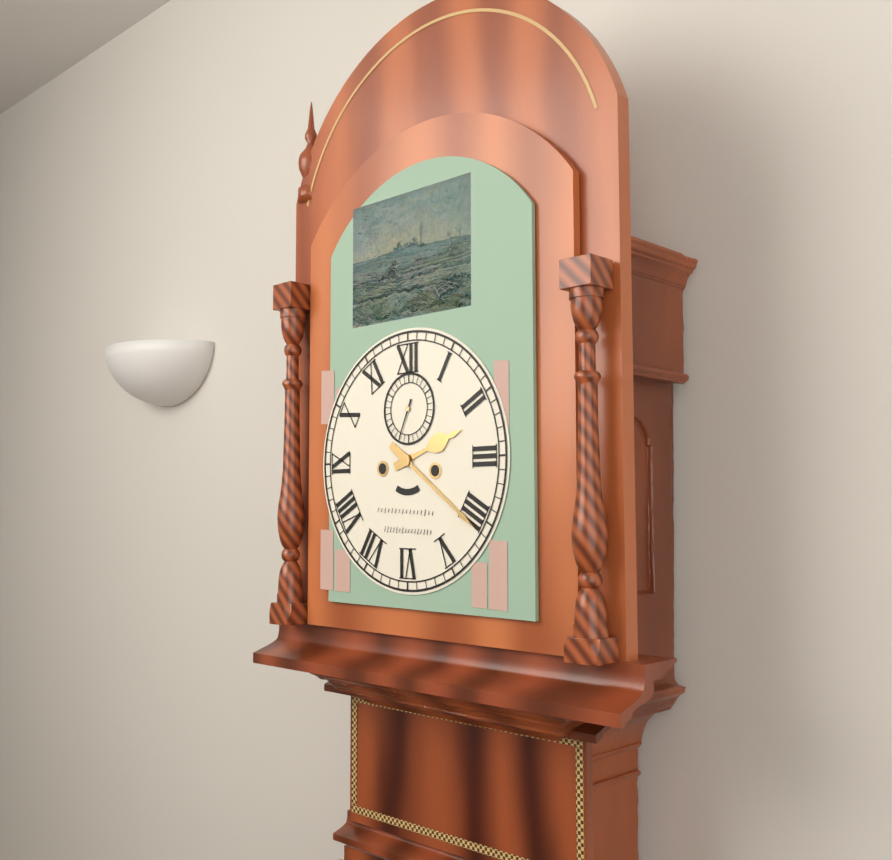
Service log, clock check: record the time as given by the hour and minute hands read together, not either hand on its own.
2:21
